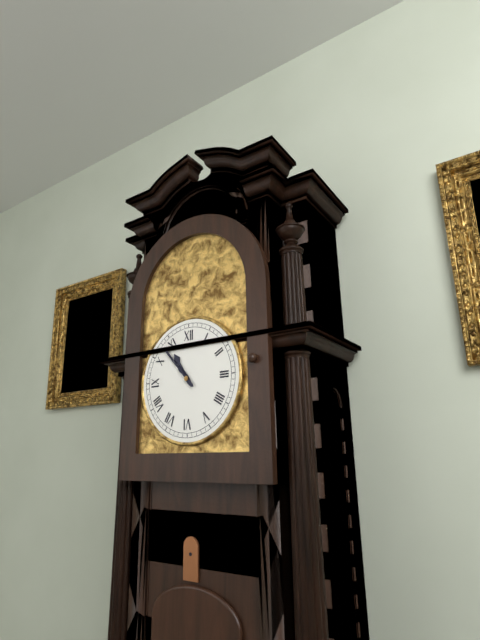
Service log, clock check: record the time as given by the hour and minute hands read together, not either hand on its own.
10:53
